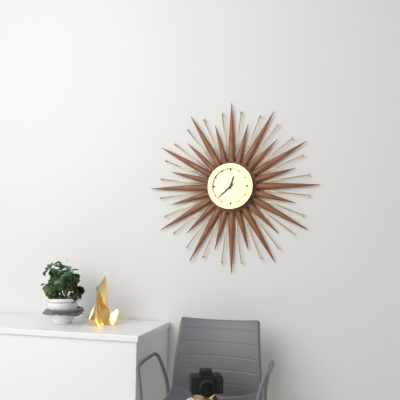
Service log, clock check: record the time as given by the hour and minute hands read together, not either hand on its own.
12:38
